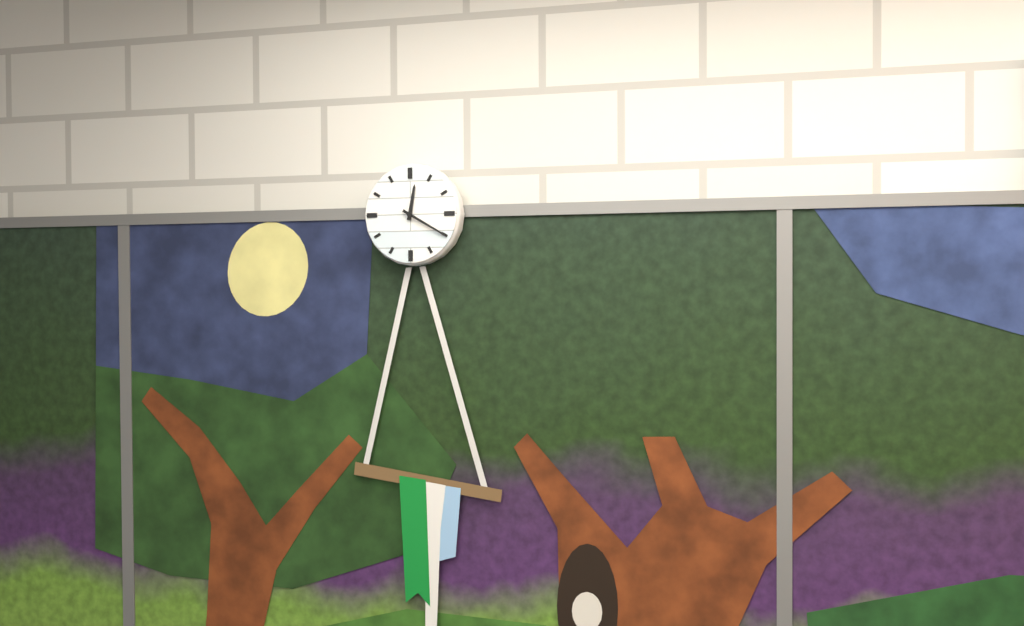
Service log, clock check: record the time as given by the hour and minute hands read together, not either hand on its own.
12:20
